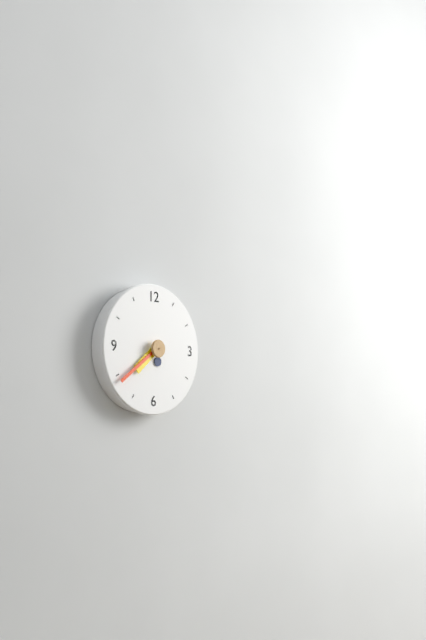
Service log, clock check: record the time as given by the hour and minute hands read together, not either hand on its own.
7:39
